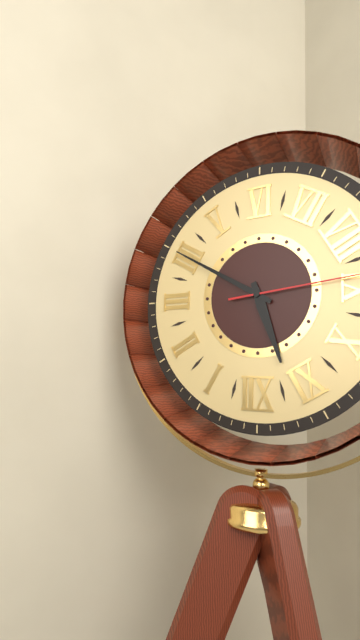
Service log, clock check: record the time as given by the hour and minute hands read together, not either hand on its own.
11:20
